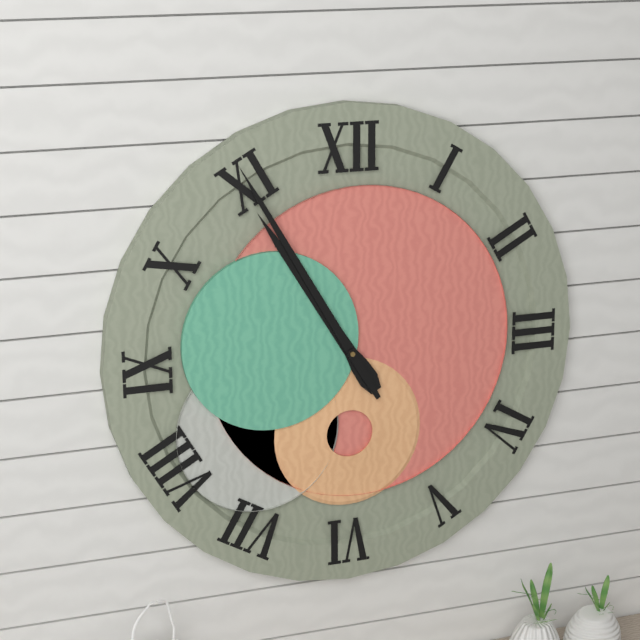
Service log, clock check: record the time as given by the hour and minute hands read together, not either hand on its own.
10:55
